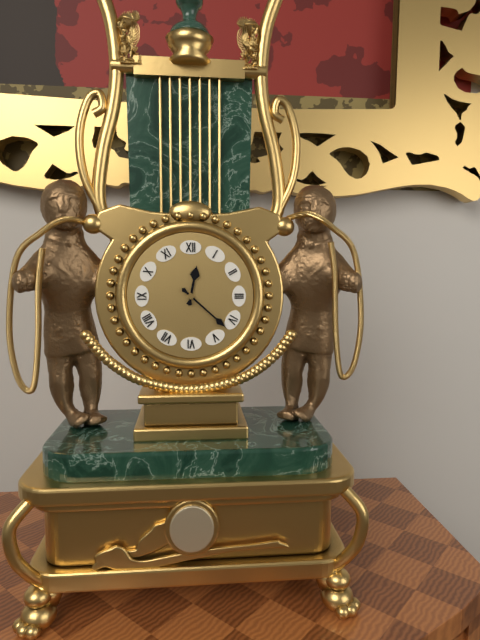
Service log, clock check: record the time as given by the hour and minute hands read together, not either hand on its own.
12:22
